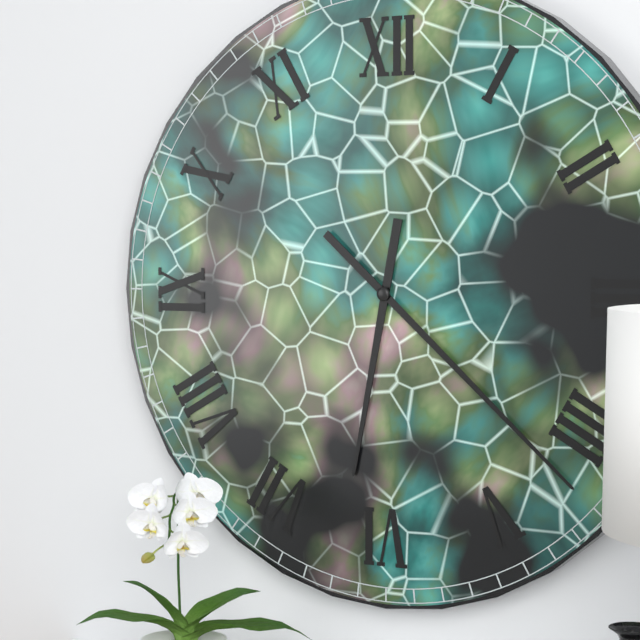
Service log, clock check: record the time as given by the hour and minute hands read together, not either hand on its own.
6:22
